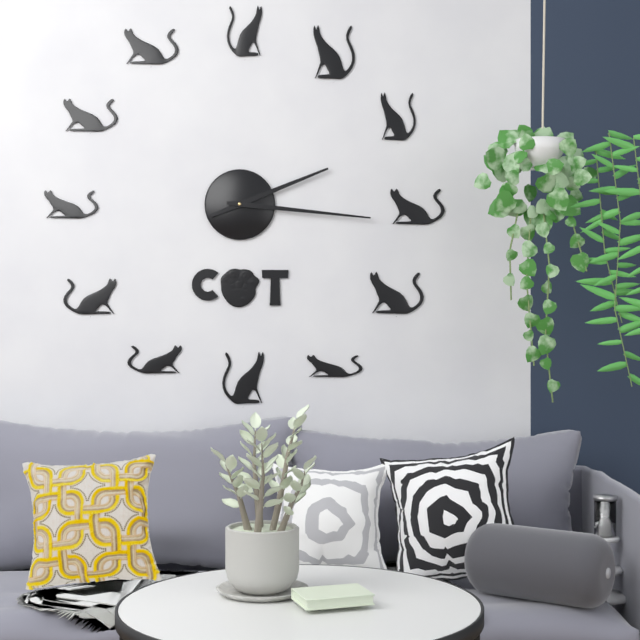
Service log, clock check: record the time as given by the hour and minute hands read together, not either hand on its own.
2:16
